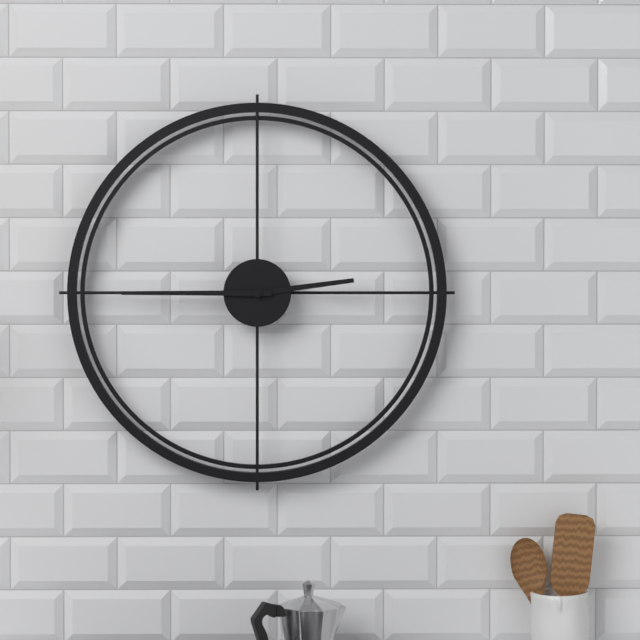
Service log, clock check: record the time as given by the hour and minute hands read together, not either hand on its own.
2:45
